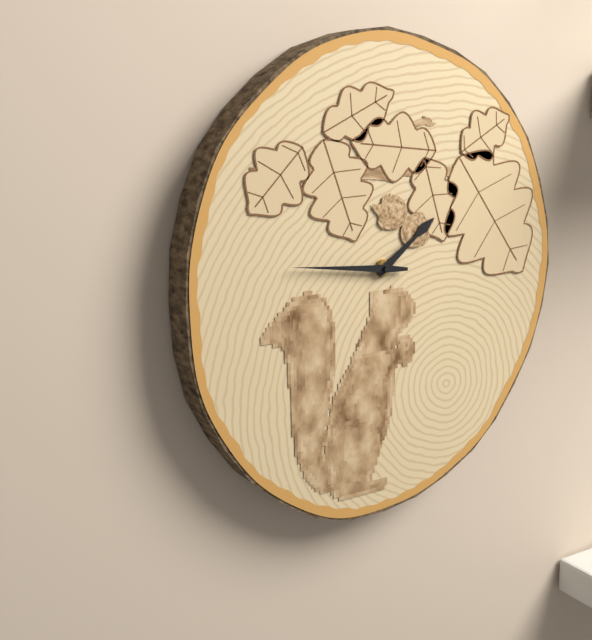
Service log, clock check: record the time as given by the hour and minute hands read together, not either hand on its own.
1:46
